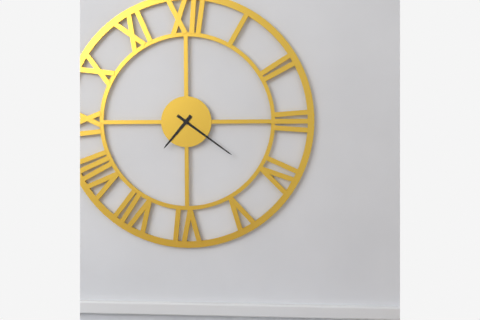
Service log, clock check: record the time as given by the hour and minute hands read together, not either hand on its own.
7:21
